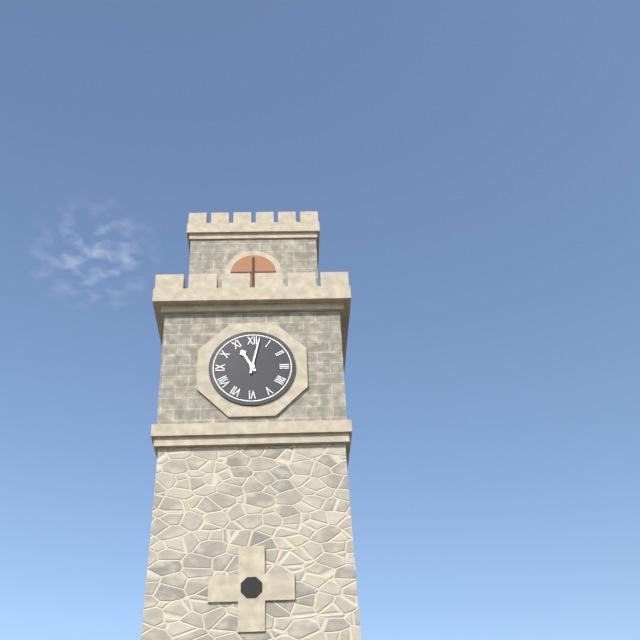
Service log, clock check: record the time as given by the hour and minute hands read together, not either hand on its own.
11:02
